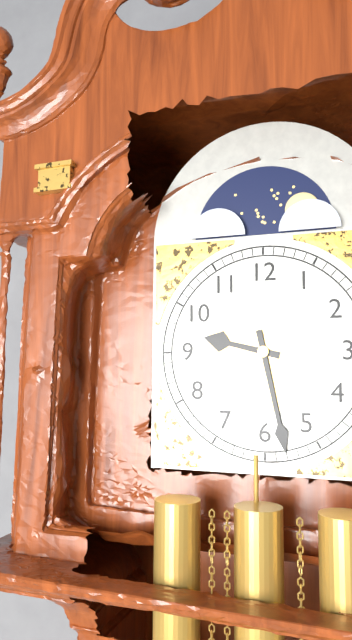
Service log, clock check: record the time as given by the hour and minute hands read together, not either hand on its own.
9:28
